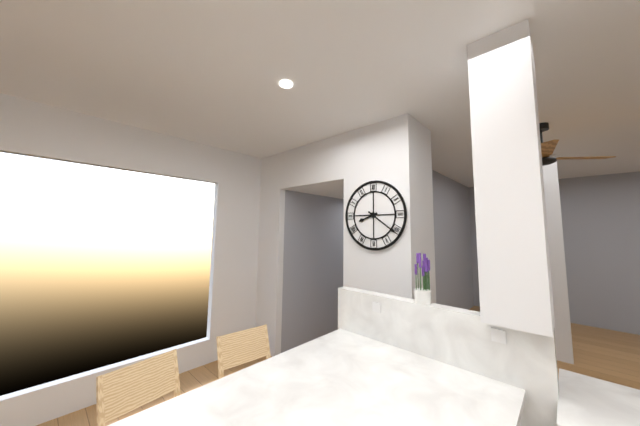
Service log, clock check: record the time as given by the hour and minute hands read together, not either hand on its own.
8:21
